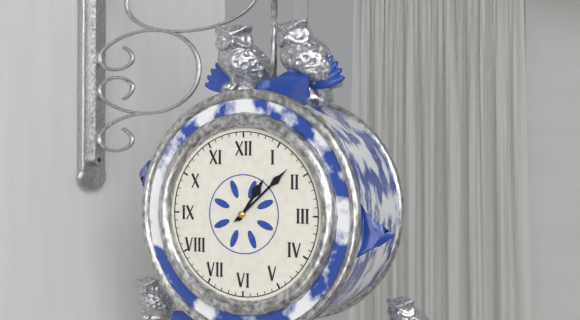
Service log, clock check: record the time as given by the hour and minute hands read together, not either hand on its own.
1:08
